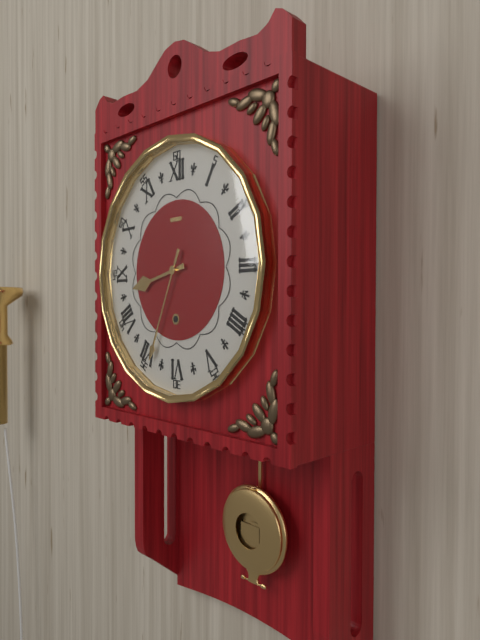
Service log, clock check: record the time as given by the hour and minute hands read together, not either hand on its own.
8:34
